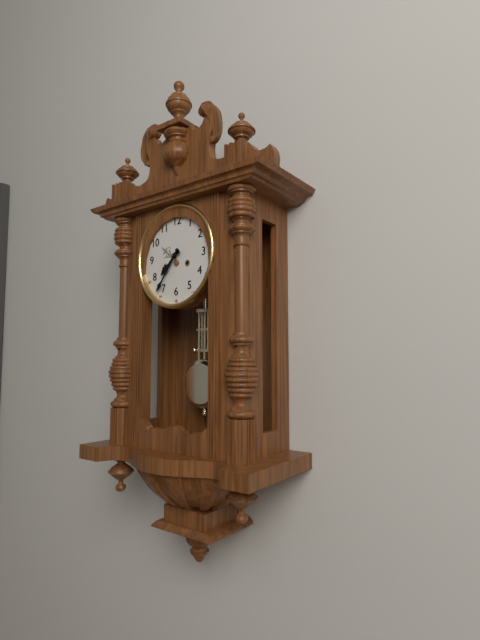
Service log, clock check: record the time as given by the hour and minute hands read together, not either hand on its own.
7:36
